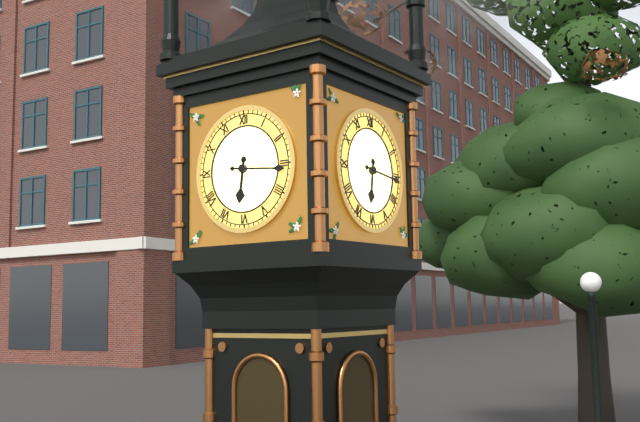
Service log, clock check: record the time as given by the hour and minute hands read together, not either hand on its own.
6:16
